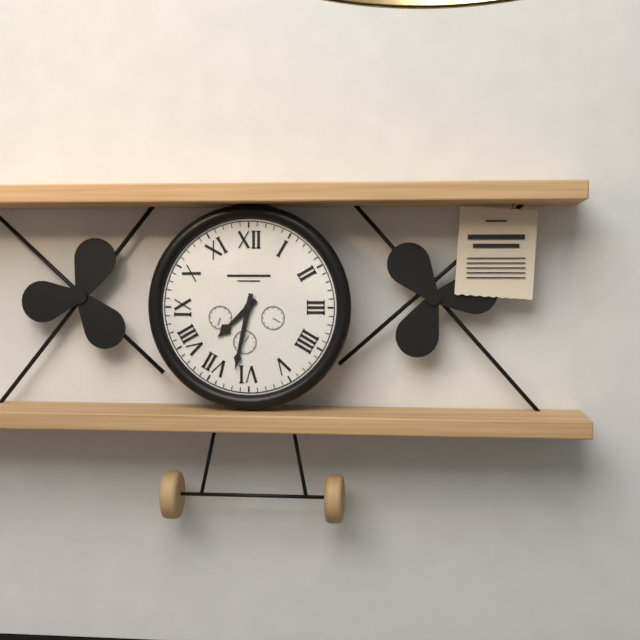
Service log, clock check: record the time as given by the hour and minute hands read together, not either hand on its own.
7:32
